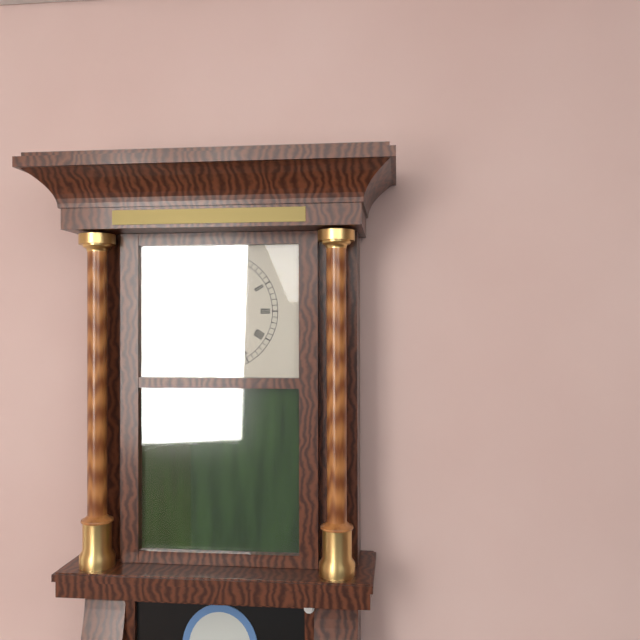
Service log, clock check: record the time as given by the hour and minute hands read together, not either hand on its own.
4:53
